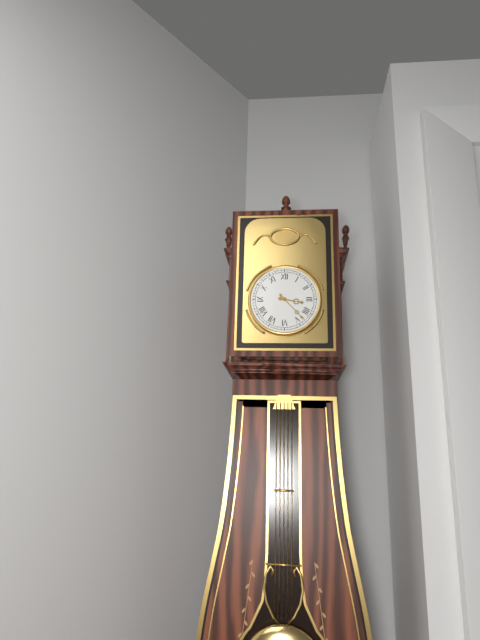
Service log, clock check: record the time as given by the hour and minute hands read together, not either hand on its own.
3:23
